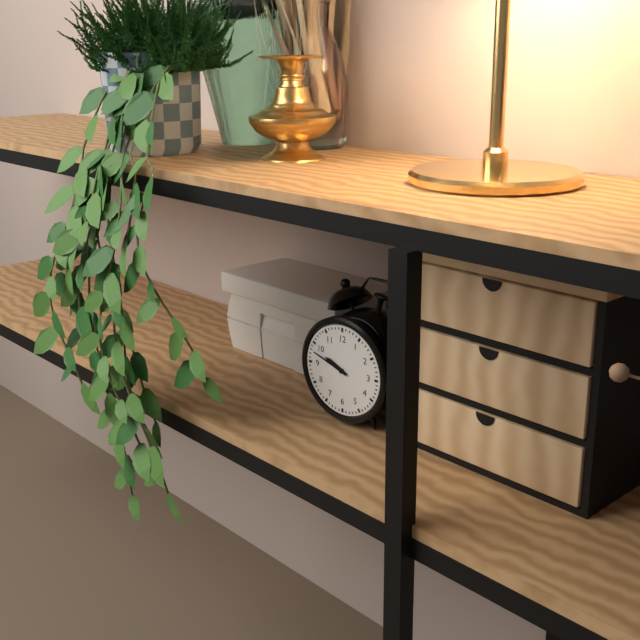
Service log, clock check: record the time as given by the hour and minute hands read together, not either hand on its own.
9:48
